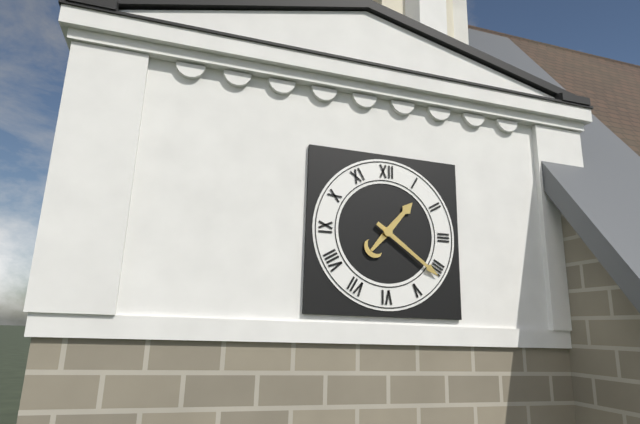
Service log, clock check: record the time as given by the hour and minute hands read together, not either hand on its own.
1:21
